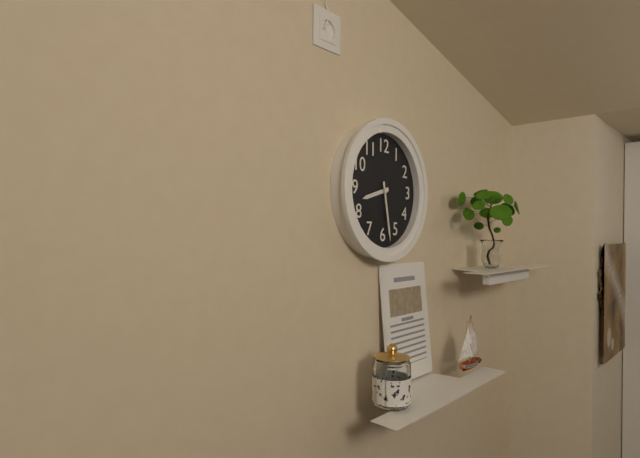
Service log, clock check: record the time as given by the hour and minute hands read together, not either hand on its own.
8:28
